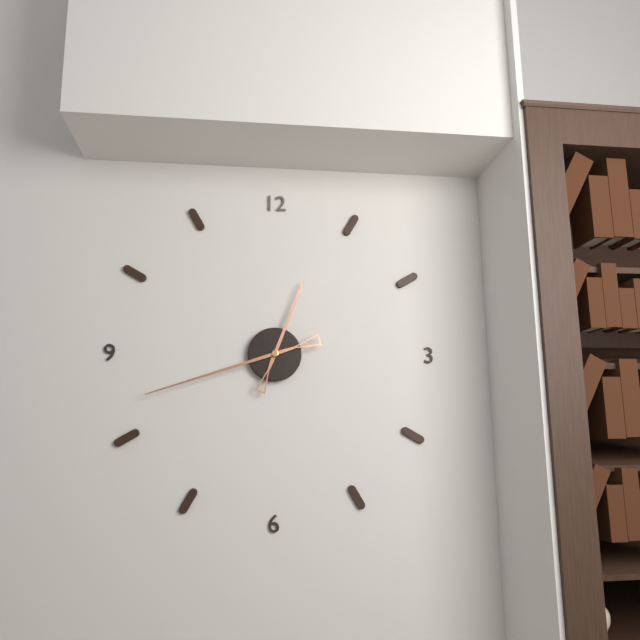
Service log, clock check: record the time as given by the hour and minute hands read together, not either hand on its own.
12:42
